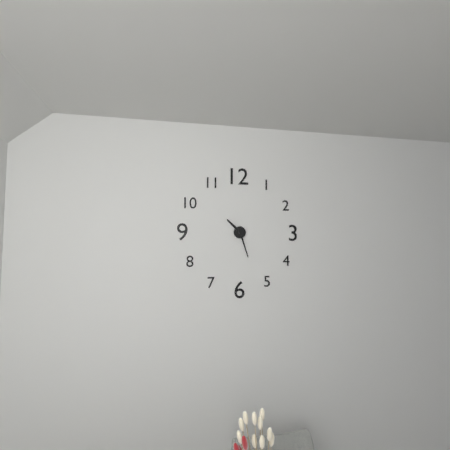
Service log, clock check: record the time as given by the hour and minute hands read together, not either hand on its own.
10:27
